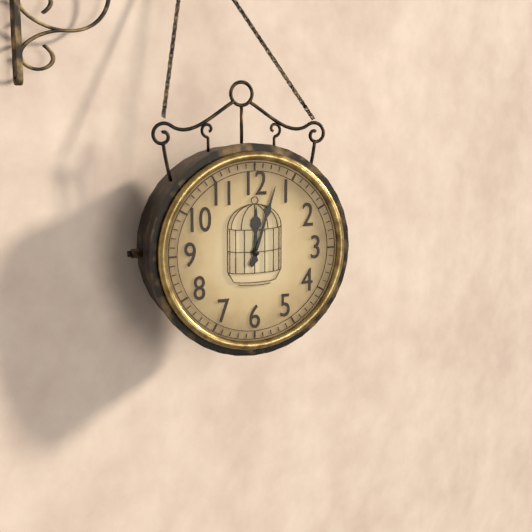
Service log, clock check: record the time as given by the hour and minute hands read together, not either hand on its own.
12:03
